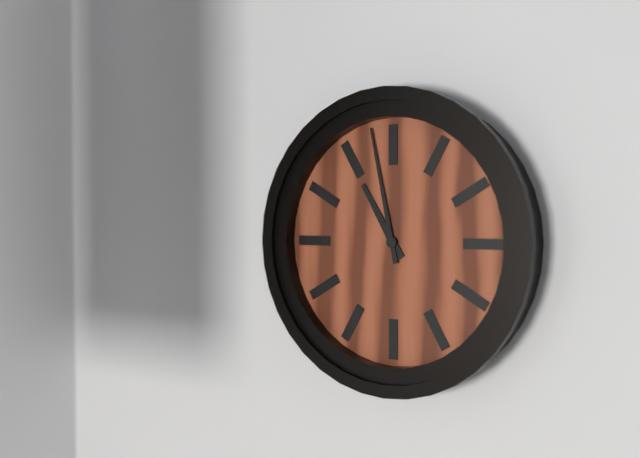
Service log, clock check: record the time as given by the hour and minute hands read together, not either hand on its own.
10:58
